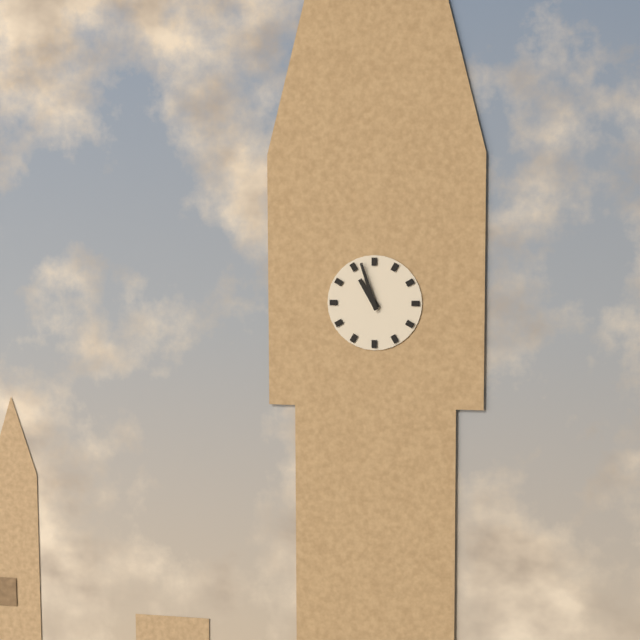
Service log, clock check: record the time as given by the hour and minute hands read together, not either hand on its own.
10:57
